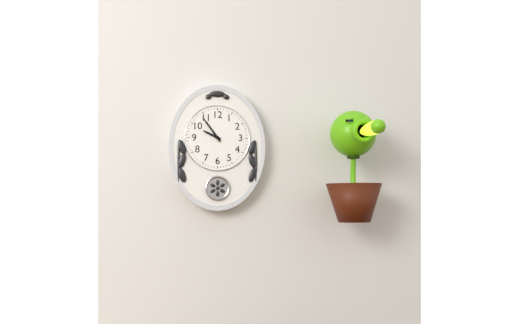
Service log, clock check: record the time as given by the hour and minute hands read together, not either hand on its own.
9:54
